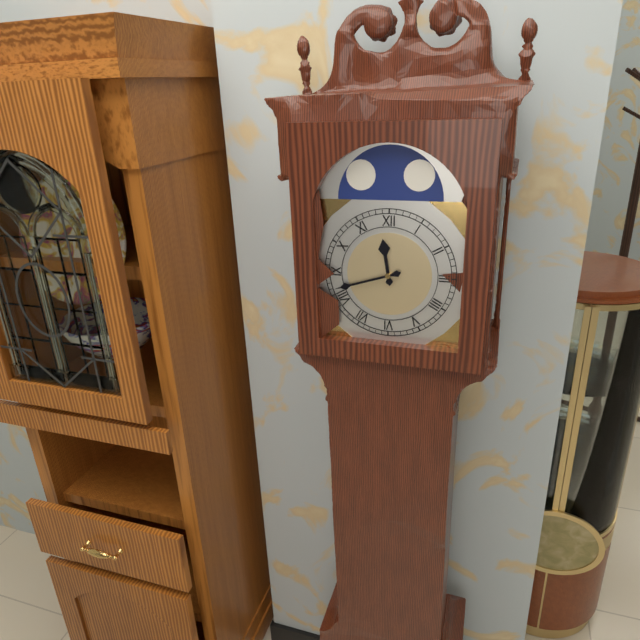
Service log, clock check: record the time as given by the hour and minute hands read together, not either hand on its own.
11:42
